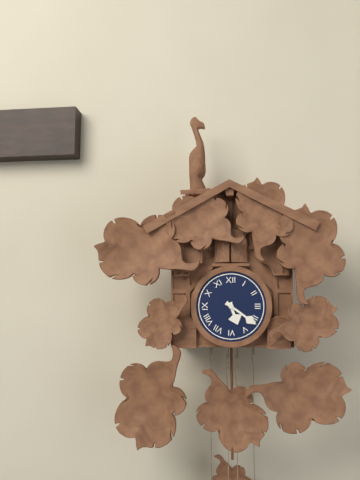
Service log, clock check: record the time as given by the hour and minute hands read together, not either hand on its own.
5:21
